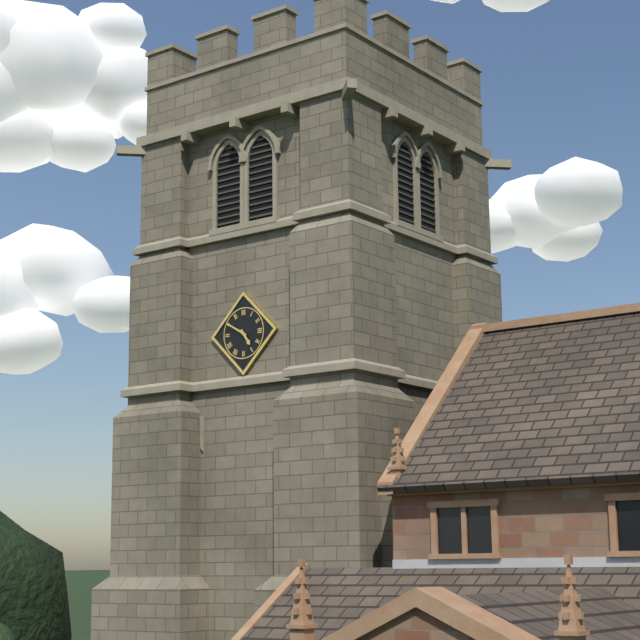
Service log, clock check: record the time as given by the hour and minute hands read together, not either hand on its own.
4:50
